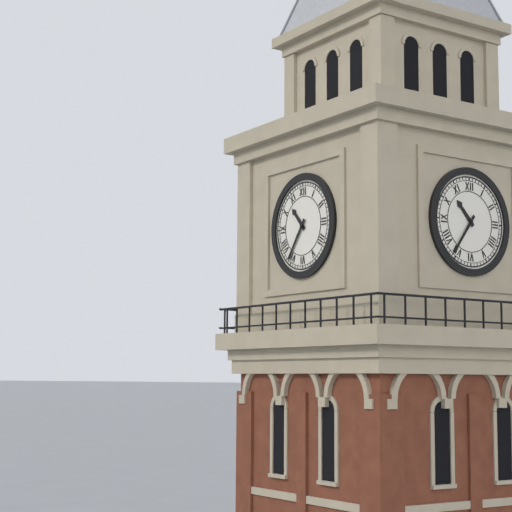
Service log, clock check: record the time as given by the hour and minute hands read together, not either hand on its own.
10:36
